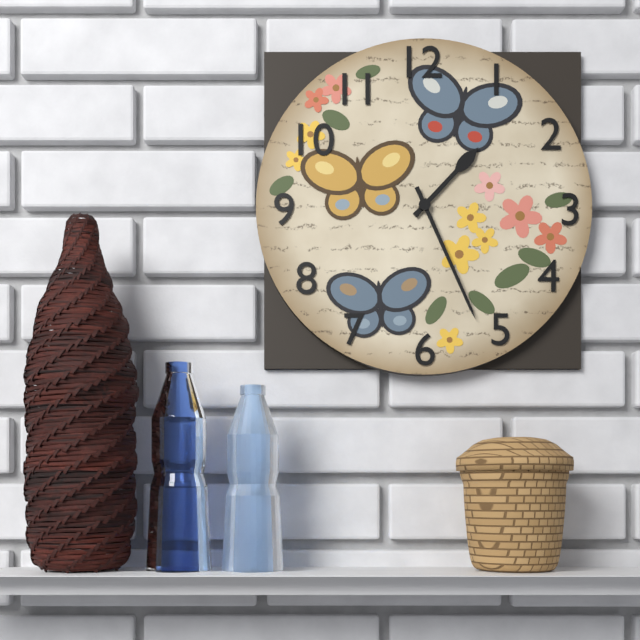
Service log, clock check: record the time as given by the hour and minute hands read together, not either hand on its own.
1:26
